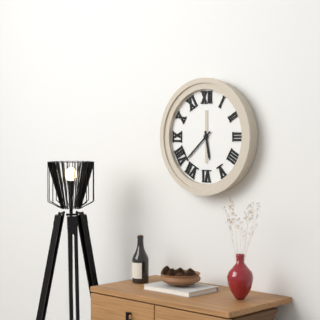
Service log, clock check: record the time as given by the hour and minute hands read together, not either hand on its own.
5:38
